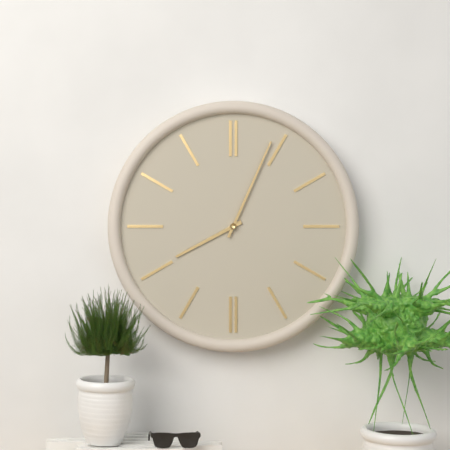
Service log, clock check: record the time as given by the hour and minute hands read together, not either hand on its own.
8:04
